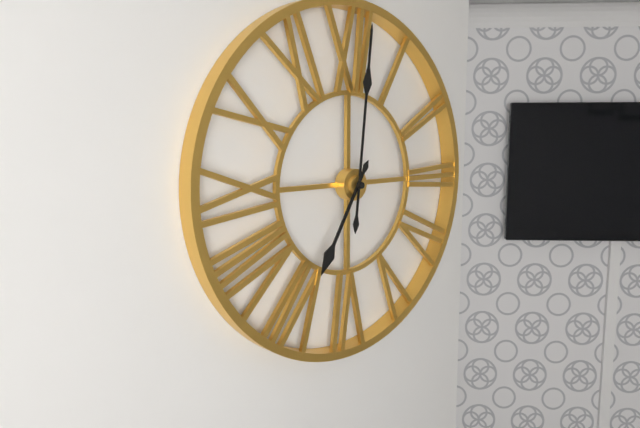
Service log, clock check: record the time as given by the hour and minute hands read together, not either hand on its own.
7:01
